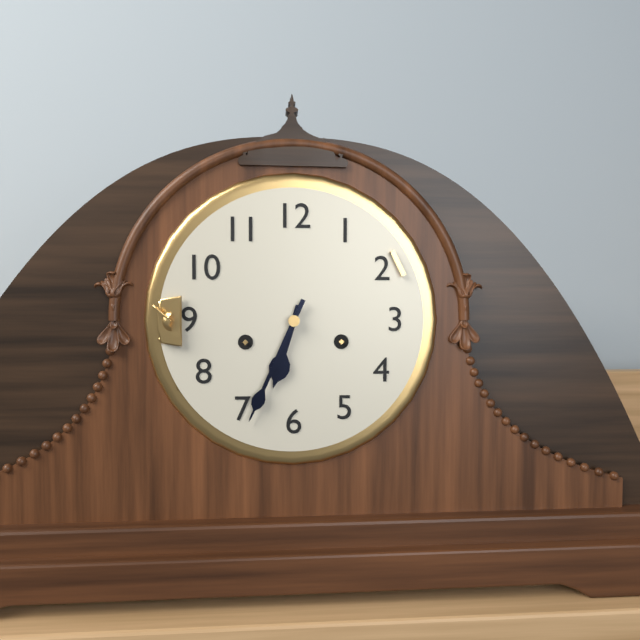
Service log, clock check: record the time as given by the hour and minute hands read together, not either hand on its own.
6:34
